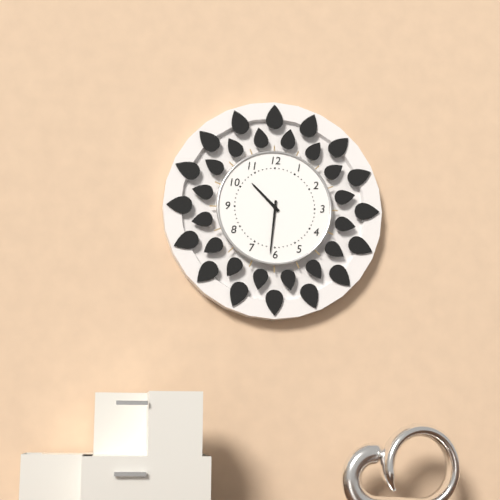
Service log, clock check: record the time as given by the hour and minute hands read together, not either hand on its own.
10:31
